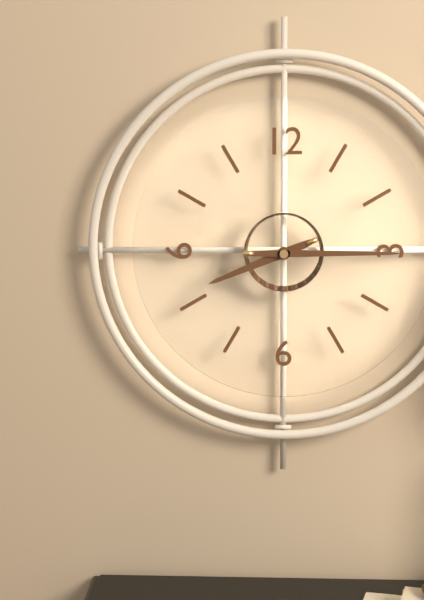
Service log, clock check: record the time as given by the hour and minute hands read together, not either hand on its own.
8:15
